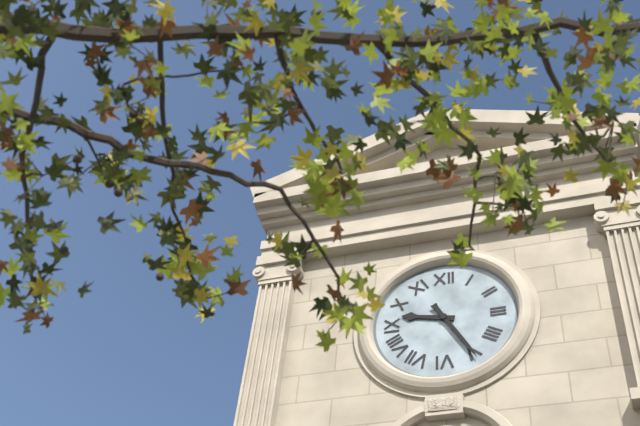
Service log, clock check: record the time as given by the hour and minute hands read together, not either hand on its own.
9:25
